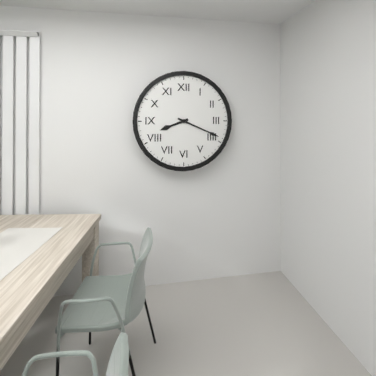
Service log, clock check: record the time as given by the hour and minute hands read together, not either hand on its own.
8:19
